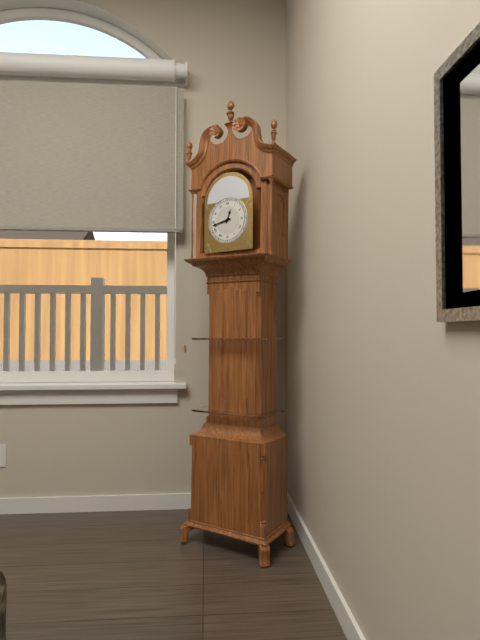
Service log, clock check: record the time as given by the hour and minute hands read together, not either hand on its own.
12:43
